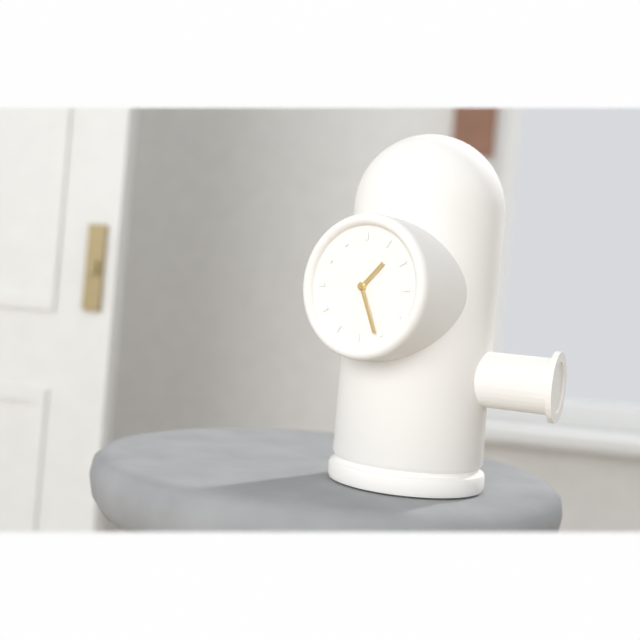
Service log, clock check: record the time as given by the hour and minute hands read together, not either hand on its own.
1:26
